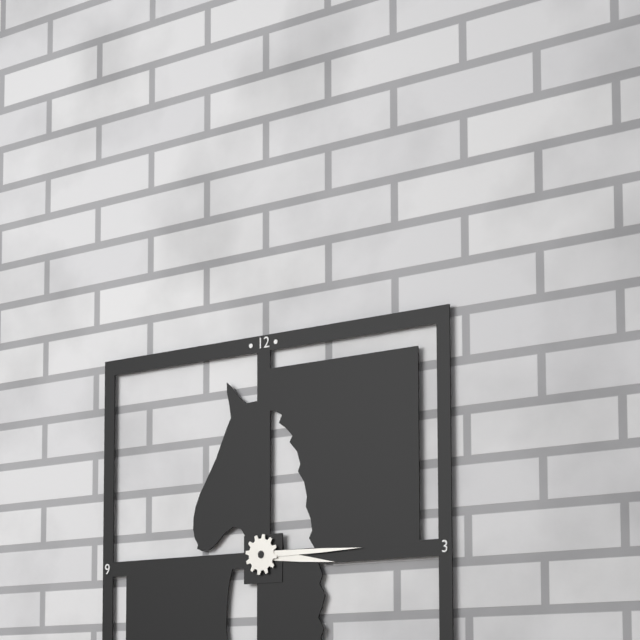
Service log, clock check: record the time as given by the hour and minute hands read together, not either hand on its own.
3:15
